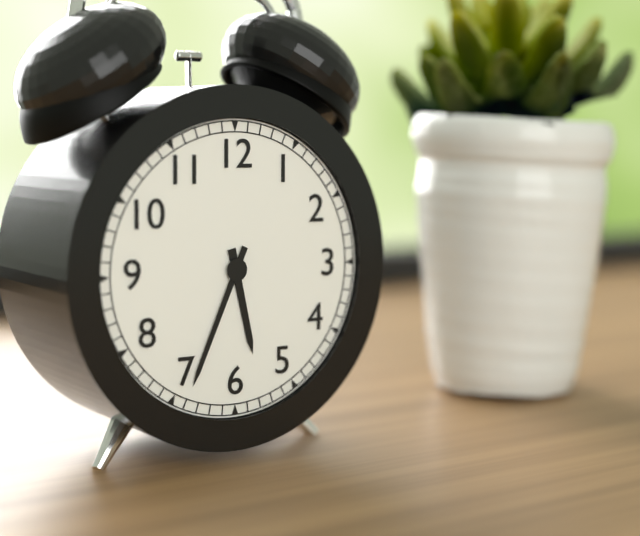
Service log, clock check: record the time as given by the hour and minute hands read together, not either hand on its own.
5:34
